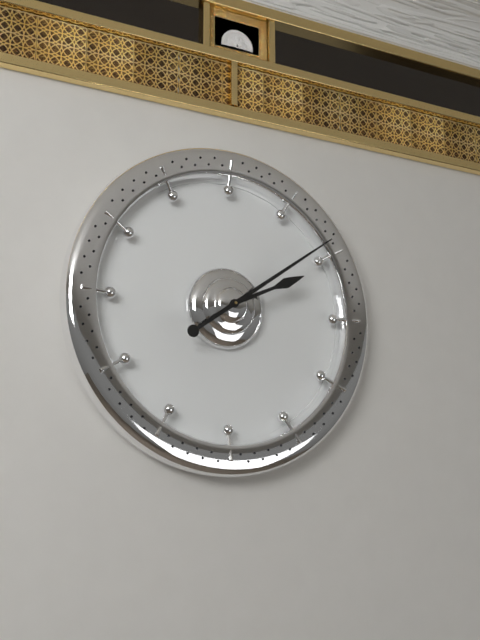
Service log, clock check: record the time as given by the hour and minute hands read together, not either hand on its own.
2:09
